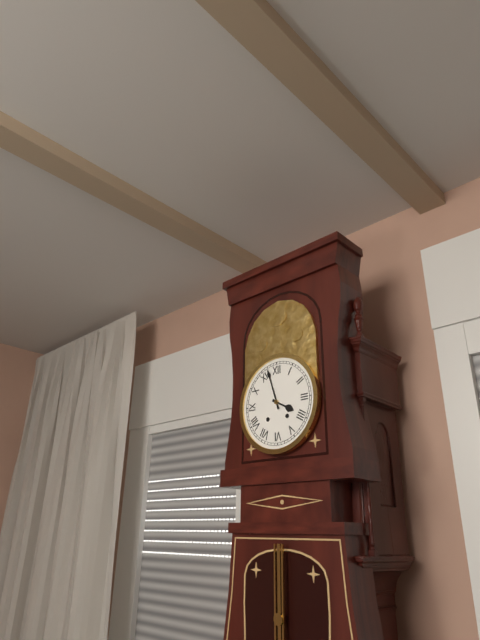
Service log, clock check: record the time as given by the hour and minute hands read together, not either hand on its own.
3:57
